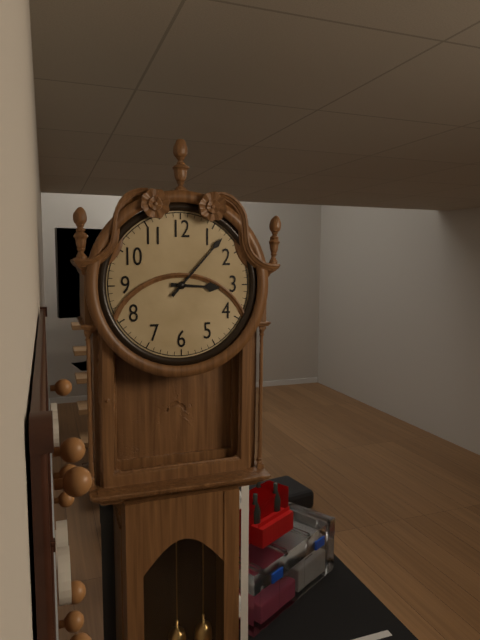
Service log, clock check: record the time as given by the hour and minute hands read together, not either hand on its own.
3:07
